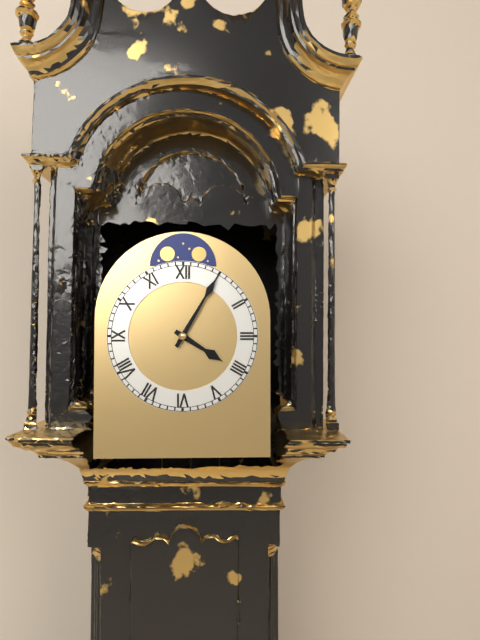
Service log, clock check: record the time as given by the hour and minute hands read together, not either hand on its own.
4:05
